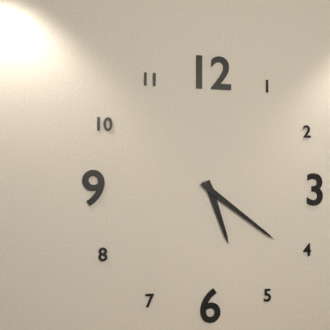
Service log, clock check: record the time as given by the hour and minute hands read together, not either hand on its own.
5:21
